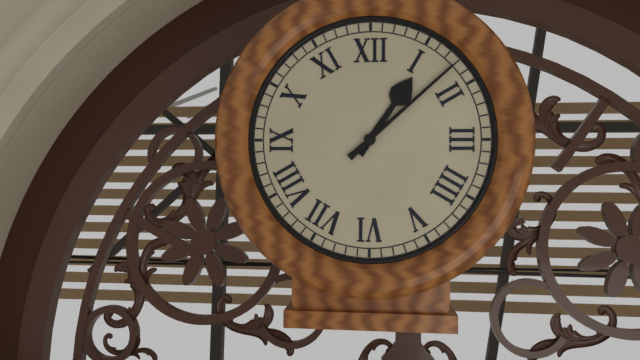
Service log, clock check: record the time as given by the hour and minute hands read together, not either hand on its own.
1:08
